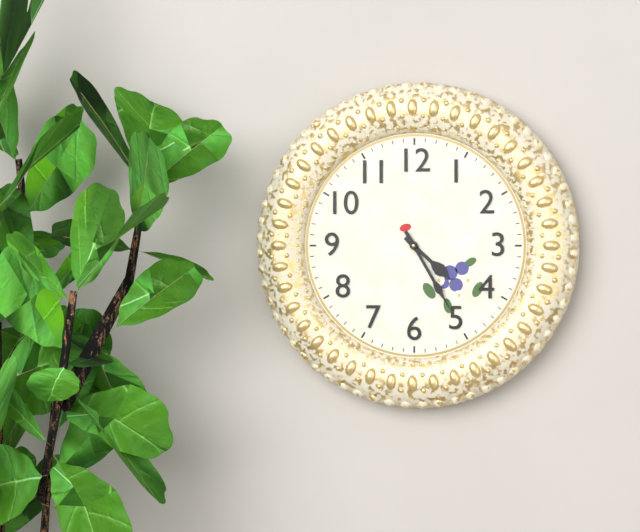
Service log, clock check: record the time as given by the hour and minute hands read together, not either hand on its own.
4:25
